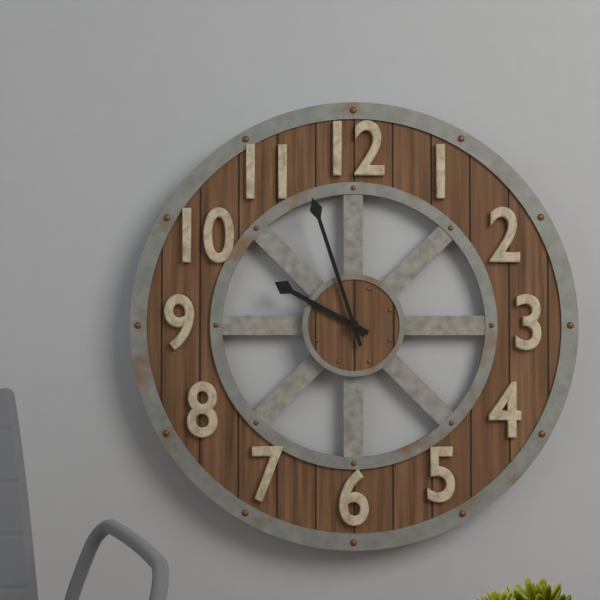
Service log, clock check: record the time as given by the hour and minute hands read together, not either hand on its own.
9:57
